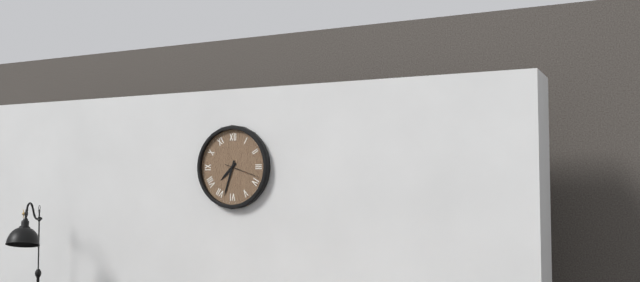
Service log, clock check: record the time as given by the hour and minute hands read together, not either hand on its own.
7:33
